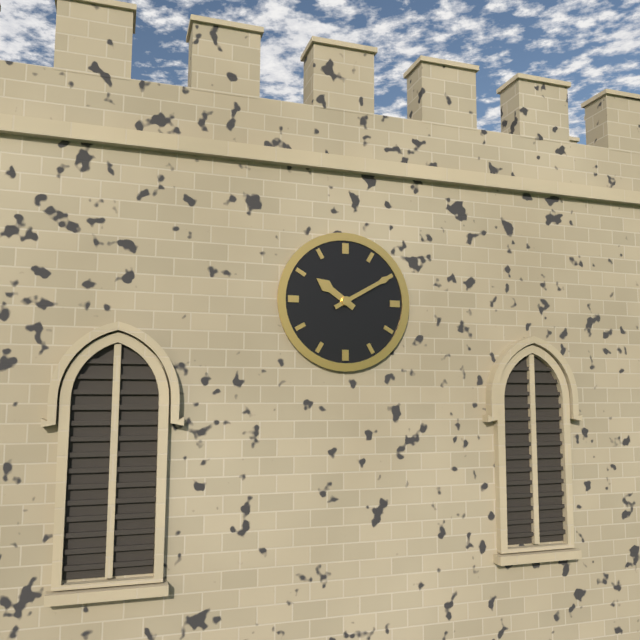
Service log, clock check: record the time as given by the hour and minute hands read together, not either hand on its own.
10:10
